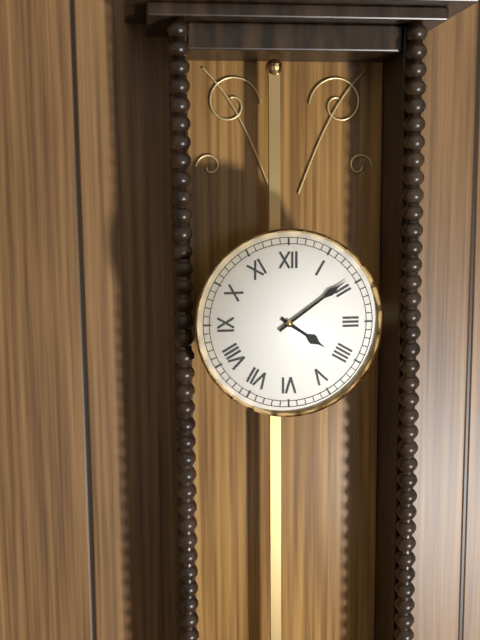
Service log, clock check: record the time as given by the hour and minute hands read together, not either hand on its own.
4:09
